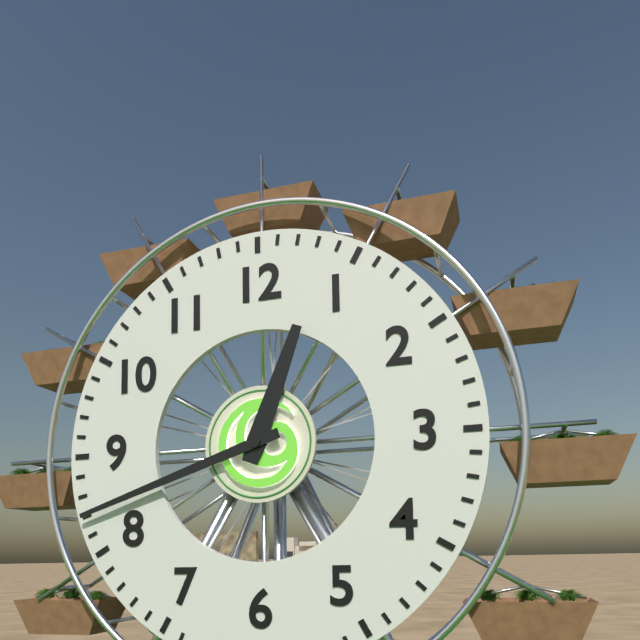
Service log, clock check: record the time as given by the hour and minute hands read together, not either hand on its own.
12:42
